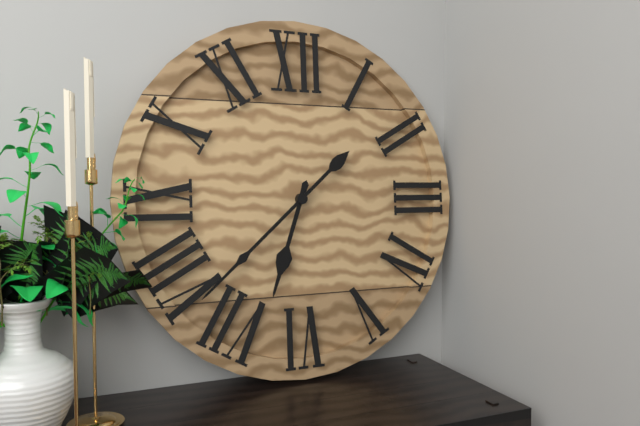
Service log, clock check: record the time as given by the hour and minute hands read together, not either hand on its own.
6:38
